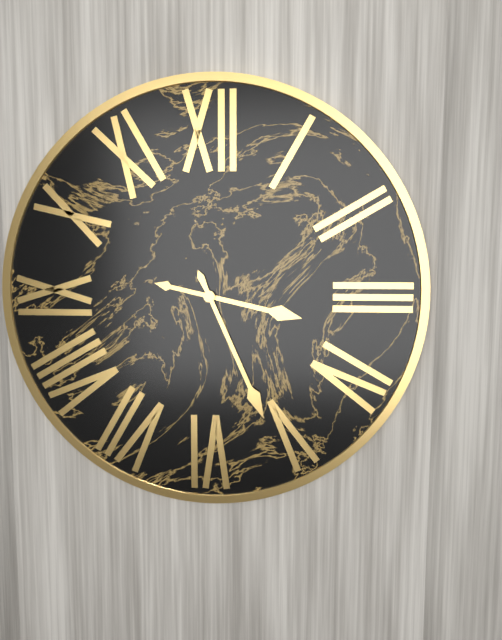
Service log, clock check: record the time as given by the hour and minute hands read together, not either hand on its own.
3:26
